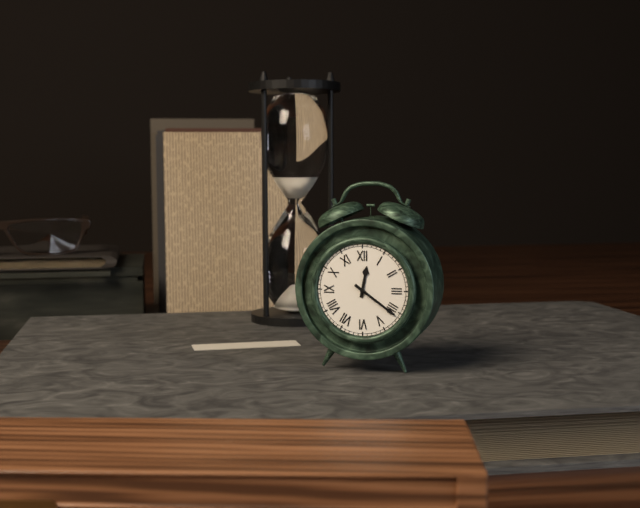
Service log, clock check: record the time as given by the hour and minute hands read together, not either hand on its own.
12:21
